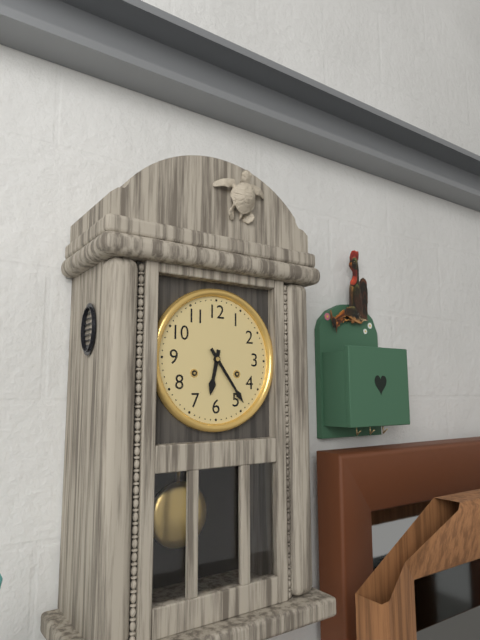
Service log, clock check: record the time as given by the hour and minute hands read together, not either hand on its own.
6:24
